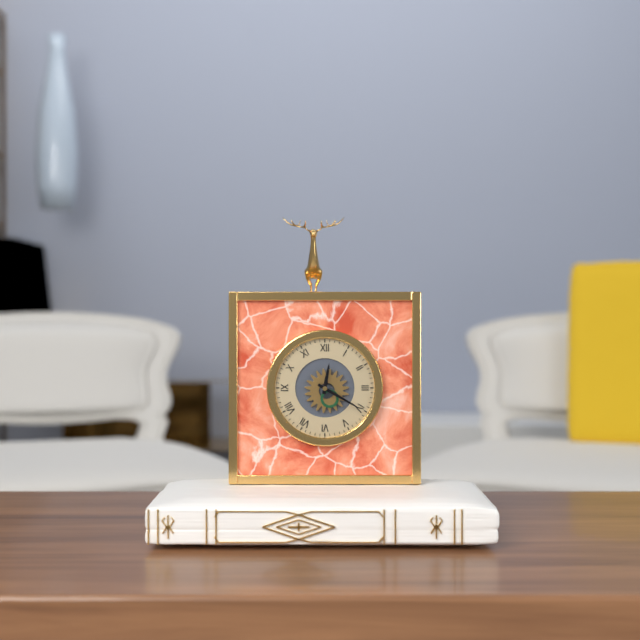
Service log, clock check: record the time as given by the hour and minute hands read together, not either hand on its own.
12:20
